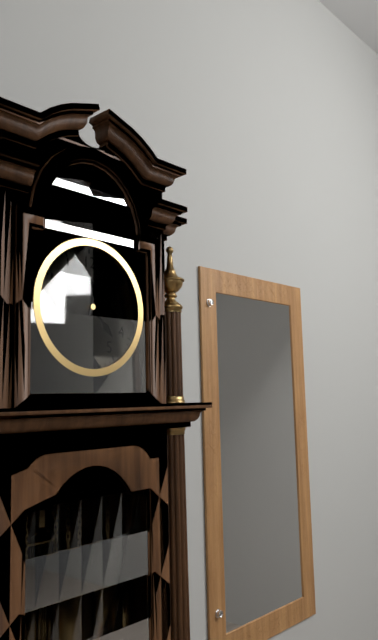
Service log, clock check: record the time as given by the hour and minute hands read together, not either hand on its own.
4:33
